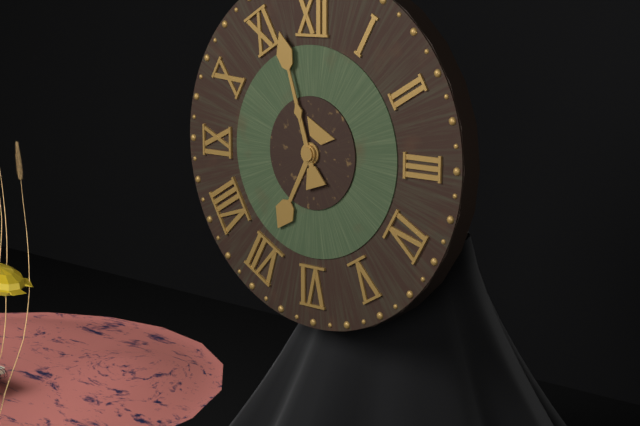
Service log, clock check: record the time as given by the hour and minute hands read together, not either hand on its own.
6:57
